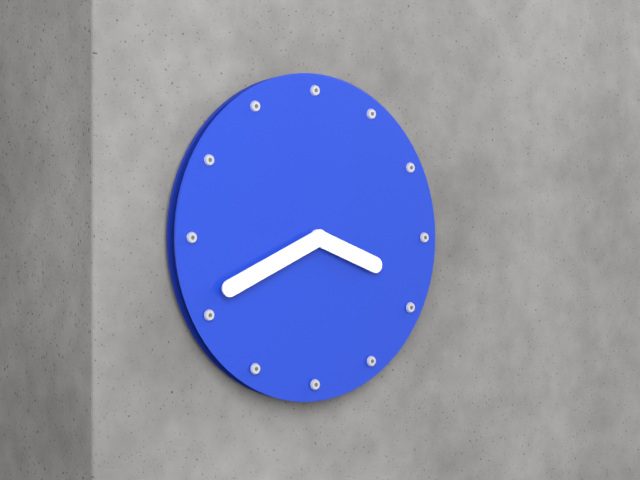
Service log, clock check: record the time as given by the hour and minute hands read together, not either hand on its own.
3:41
